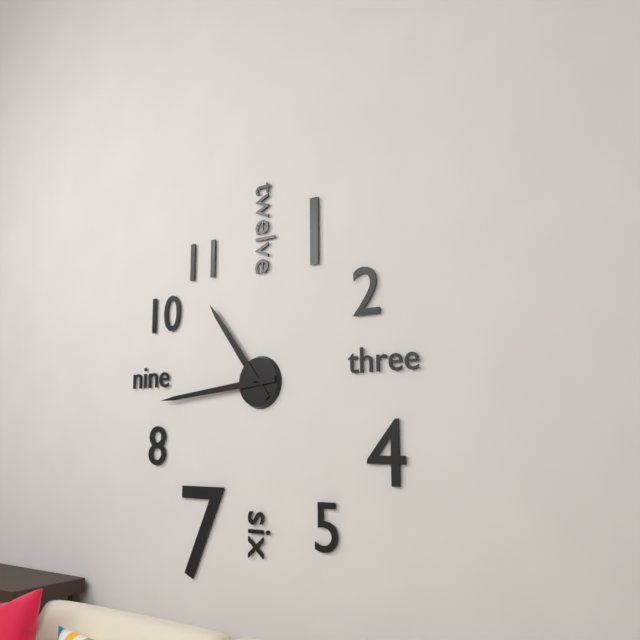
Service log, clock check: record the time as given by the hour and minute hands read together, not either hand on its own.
10:44
